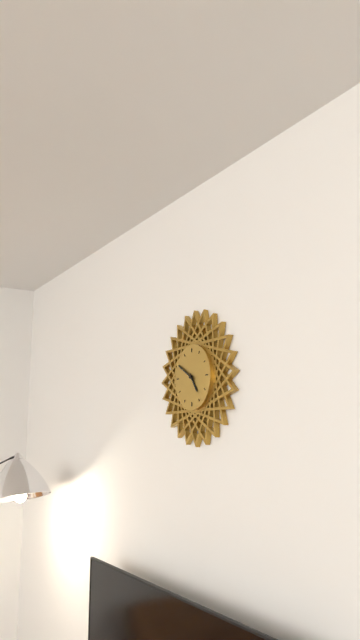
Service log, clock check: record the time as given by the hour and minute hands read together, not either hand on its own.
4:50
